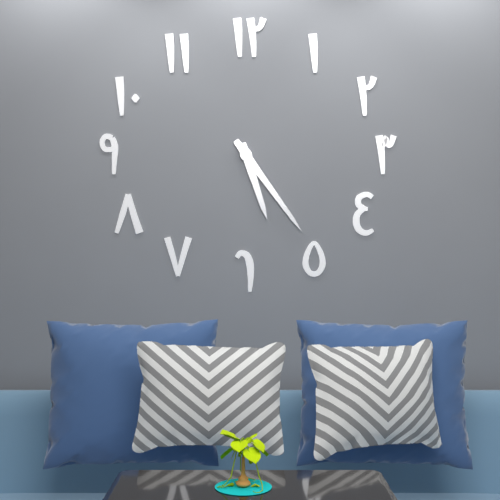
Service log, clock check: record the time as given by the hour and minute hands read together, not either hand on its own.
5:24
